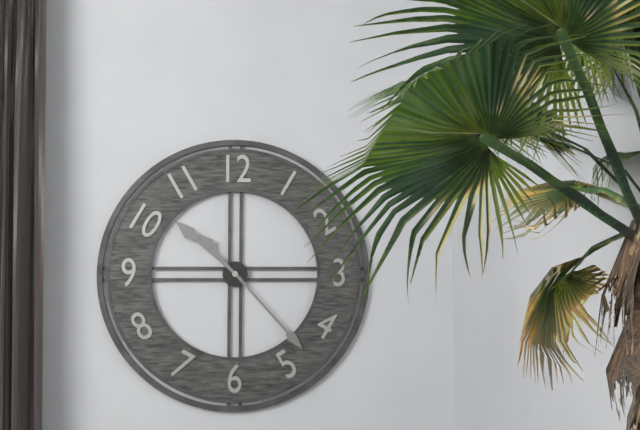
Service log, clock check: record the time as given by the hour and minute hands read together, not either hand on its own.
10:23
